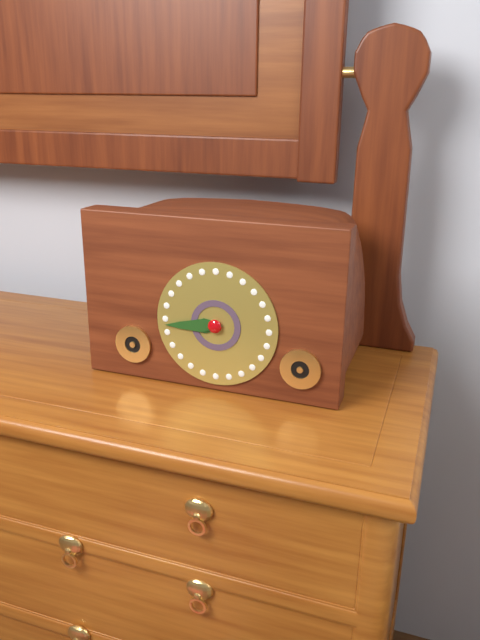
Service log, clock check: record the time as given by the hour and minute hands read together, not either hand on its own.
8:44
